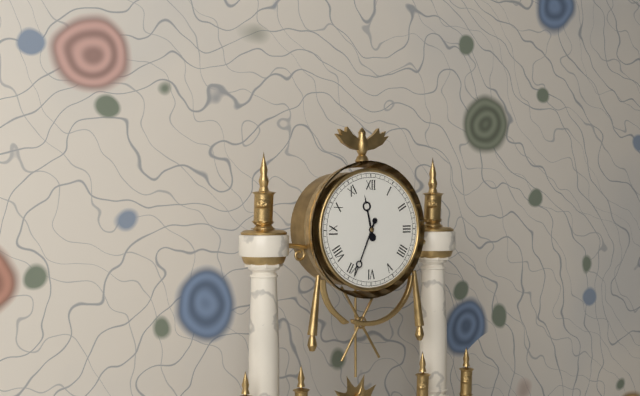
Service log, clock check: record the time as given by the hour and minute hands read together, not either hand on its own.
11:34
